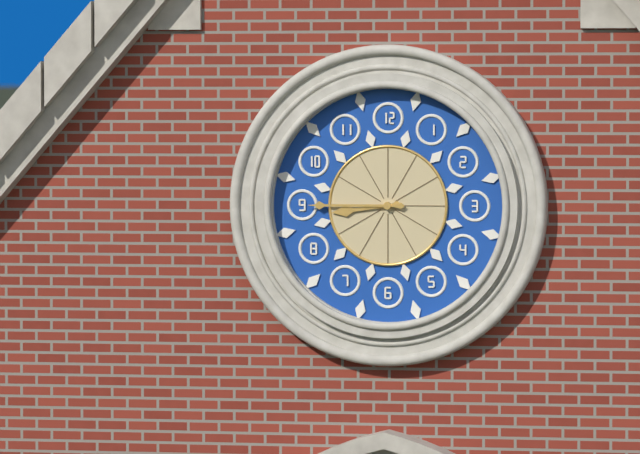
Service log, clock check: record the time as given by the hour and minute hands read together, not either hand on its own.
8:45
